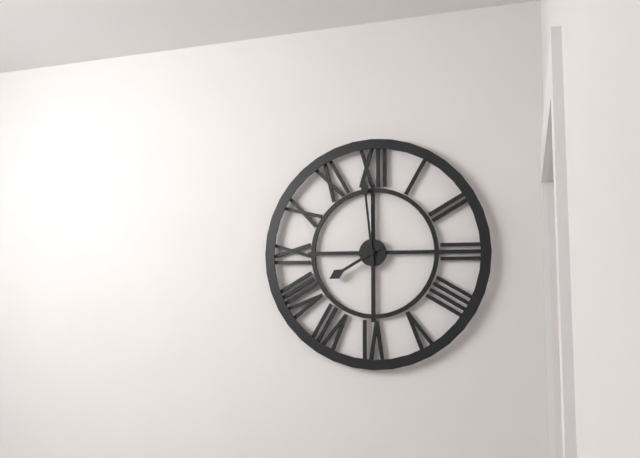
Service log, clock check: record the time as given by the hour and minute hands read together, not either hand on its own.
7:59
